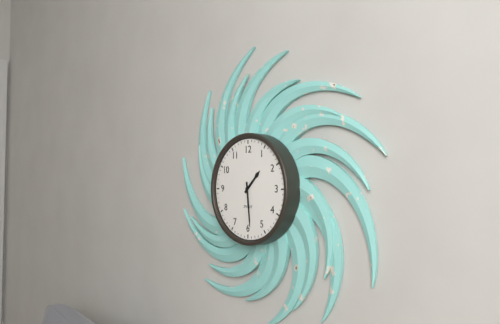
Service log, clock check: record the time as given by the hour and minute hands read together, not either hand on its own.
1:29
